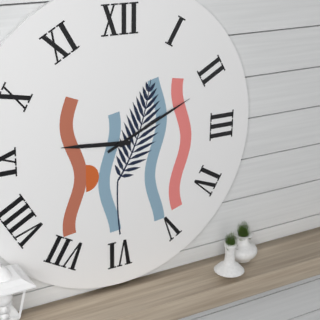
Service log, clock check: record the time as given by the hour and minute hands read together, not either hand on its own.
9:11
